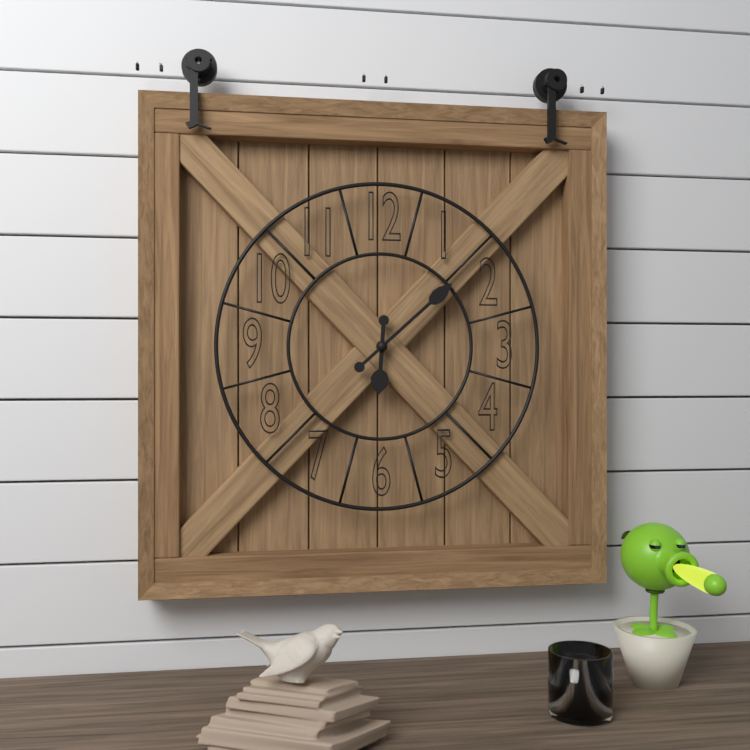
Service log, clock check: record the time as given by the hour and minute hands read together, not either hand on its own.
6:08
